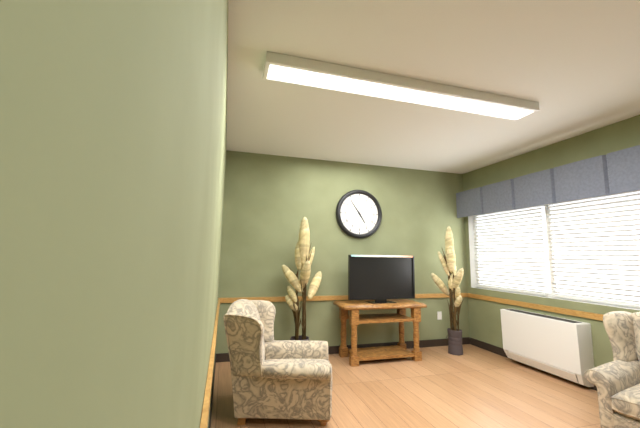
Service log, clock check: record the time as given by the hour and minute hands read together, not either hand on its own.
4:54
